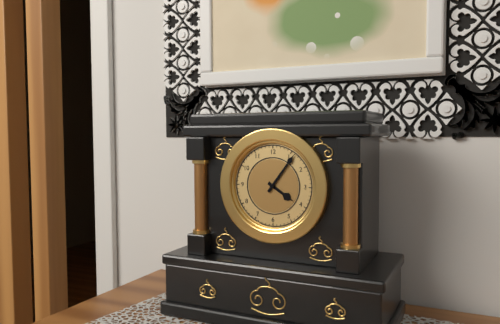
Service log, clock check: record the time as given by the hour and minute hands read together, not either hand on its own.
4:06
